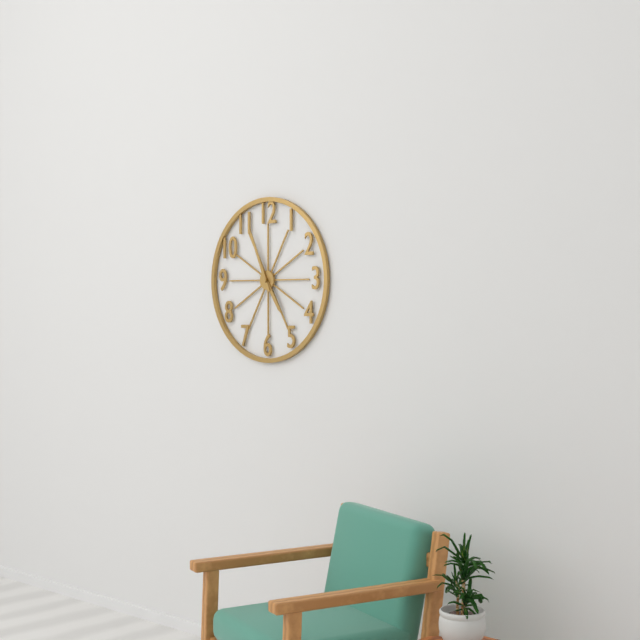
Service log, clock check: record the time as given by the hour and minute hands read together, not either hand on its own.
4:56
